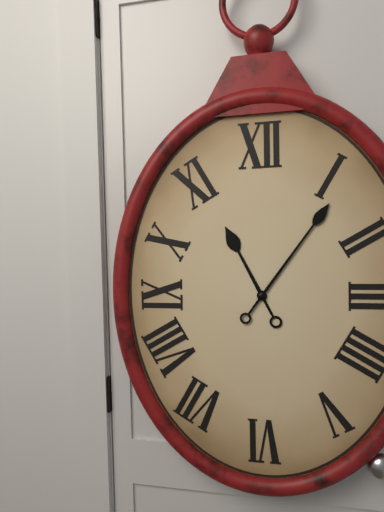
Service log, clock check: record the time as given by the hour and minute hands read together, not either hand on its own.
11:06
